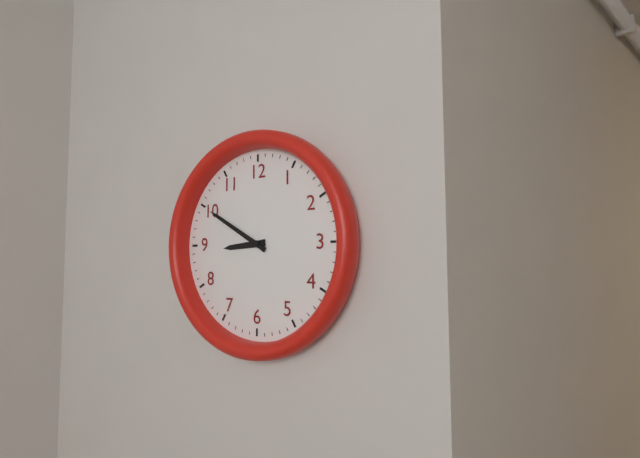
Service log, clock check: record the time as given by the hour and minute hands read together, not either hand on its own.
8:50
